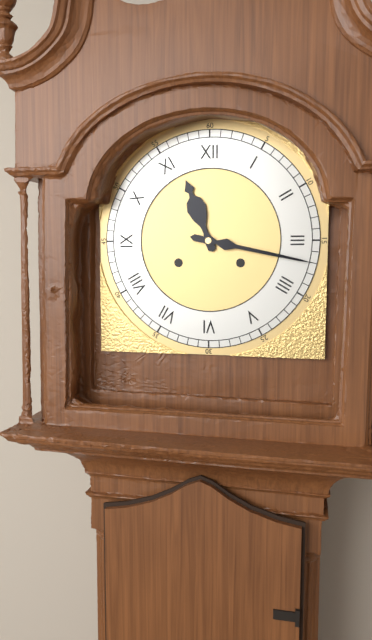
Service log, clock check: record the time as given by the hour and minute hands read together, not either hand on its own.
11:17
